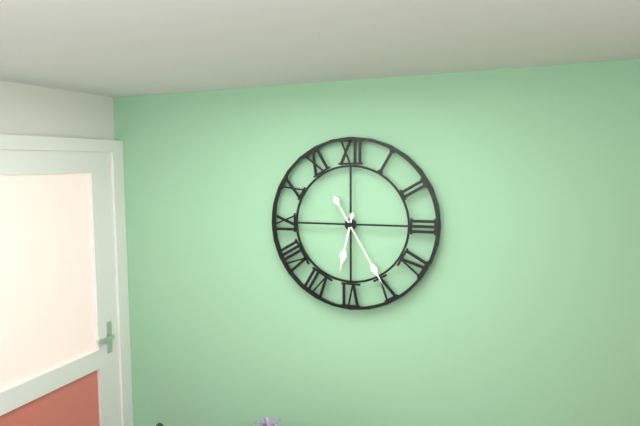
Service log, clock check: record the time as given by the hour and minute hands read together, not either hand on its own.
6:25
